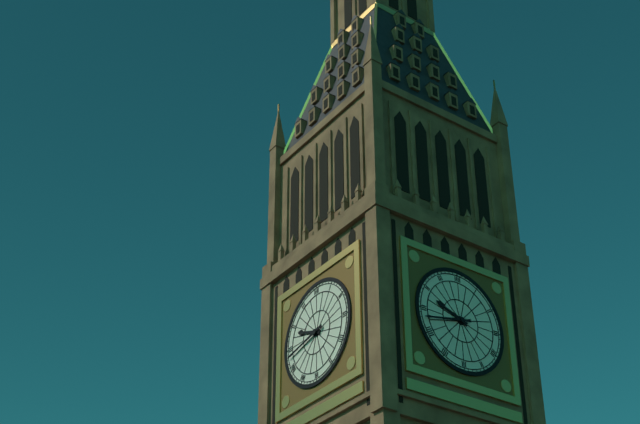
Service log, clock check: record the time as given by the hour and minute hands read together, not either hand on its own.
9:43
